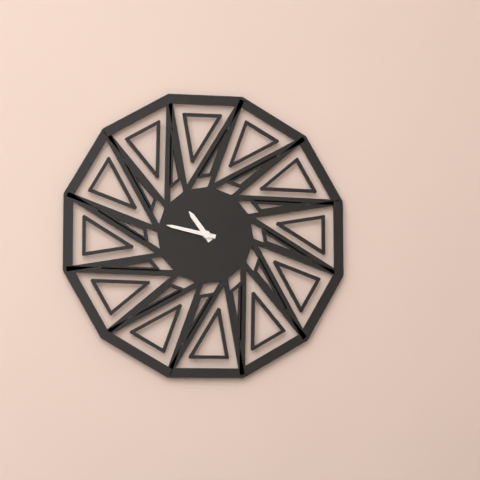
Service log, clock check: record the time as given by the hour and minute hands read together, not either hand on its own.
10:47
